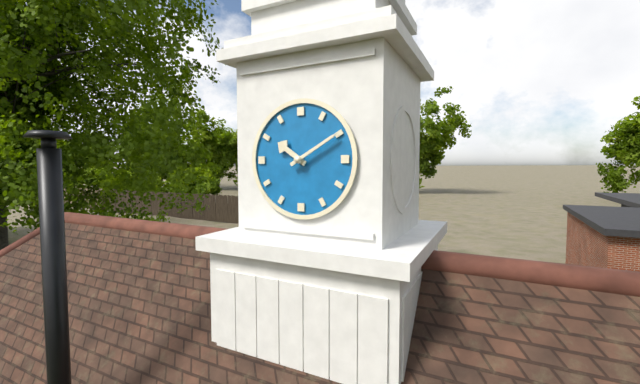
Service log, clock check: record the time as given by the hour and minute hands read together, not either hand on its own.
10:10
